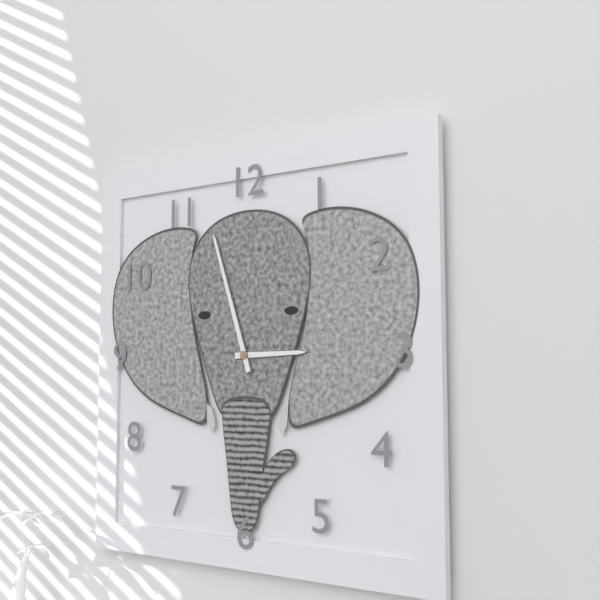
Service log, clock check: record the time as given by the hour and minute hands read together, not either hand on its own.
2:57
